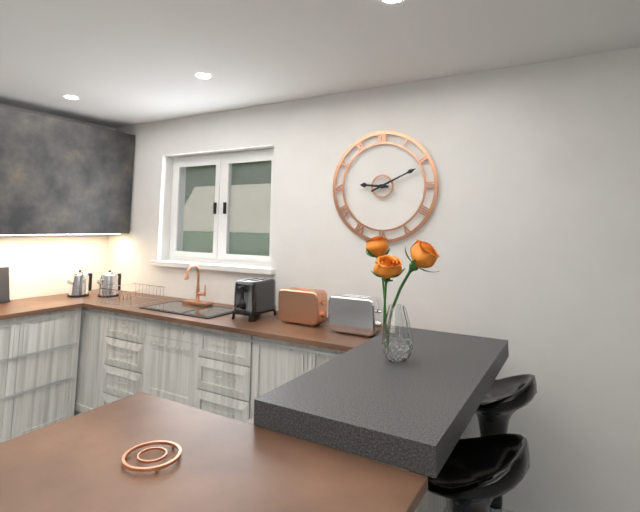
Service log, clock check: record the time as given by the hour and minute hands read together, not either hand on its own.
9:11
